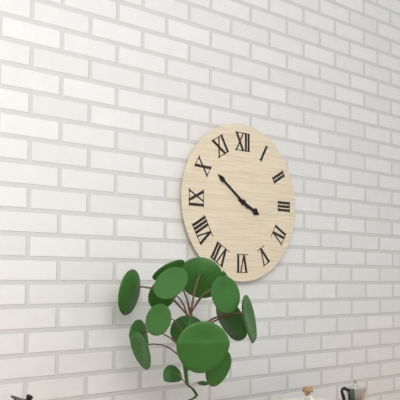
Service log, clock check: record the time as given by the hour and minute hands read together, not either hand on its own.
3:51
